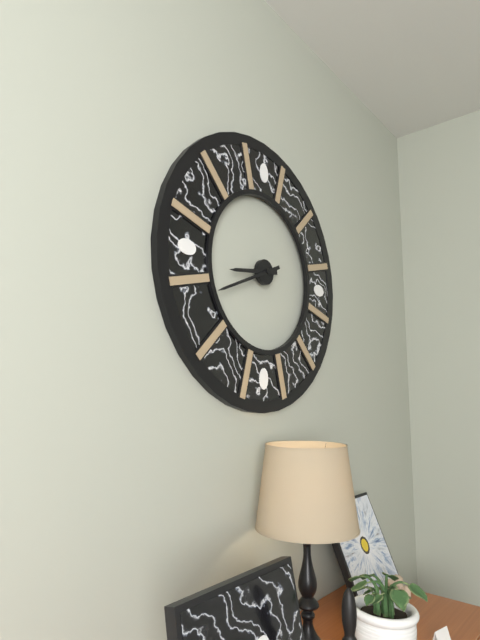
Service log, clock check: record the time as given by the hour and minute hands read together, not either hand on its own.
8:41
